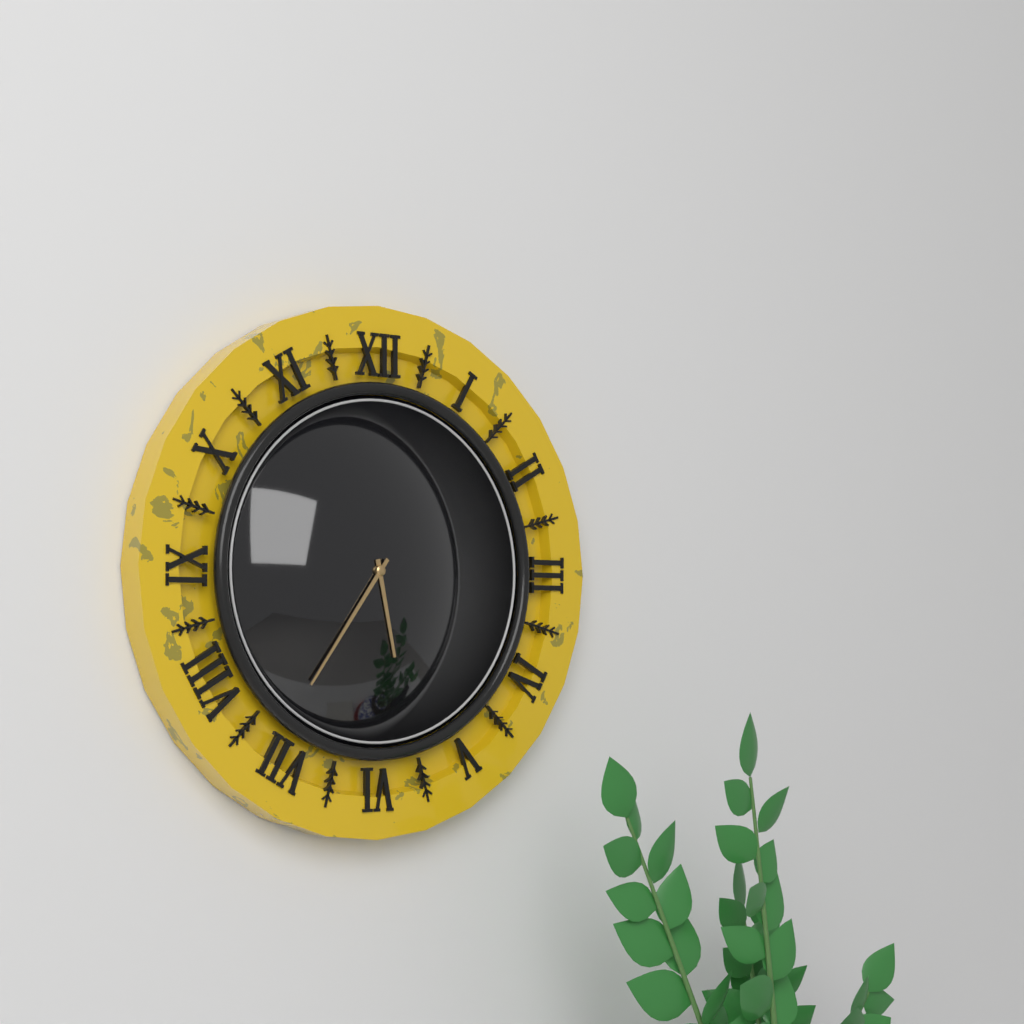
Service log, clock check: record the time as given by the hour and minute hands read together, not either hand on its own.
5:36
